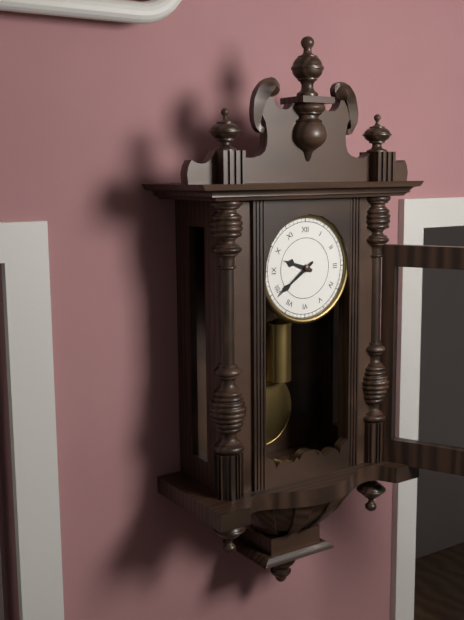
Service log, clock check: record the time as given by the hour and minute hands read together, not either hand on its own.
9:39
